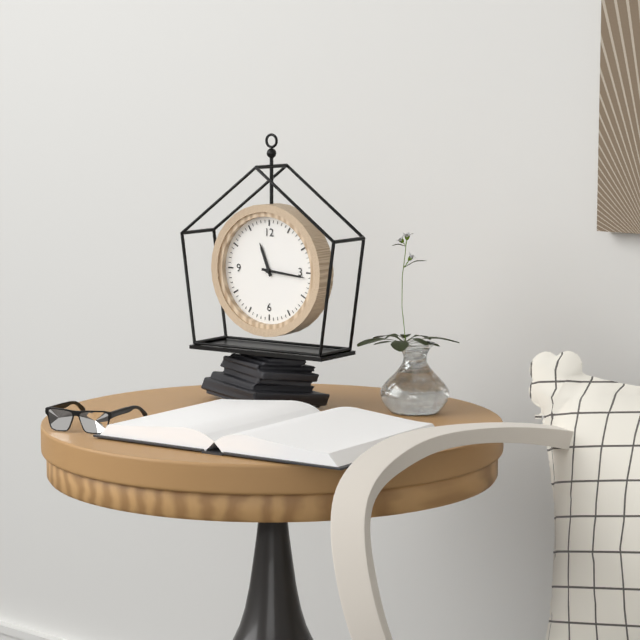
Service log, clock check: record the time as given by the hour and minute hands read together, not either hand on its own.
11:16
